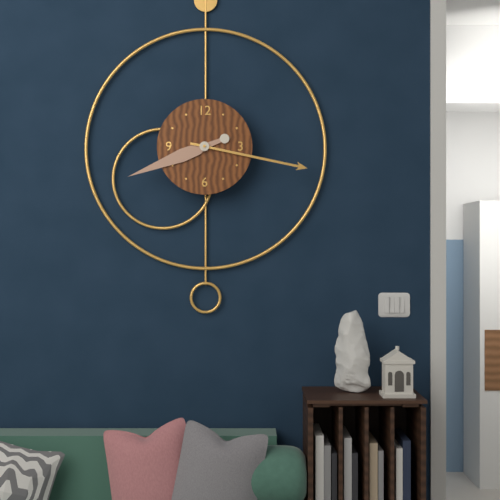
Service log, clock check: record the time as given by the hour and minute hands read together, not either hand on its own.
8:17
